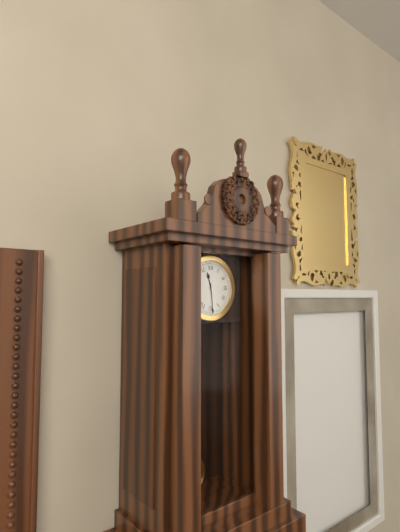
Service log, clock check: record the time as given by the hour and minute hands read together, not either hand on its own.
11:29
